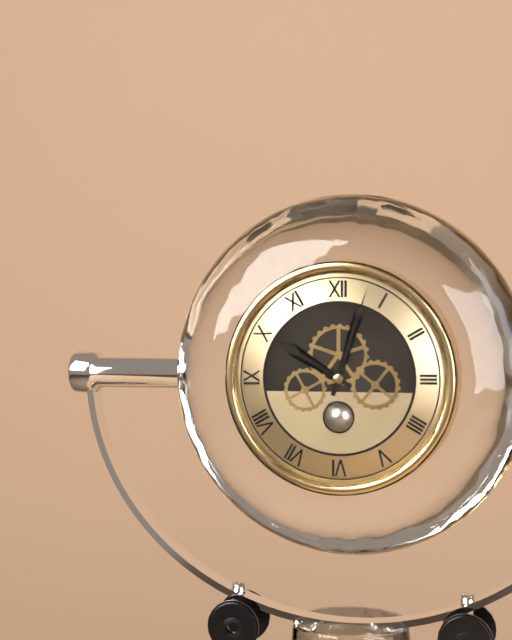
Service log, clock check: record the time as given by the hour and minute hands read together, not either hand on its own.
10:03
